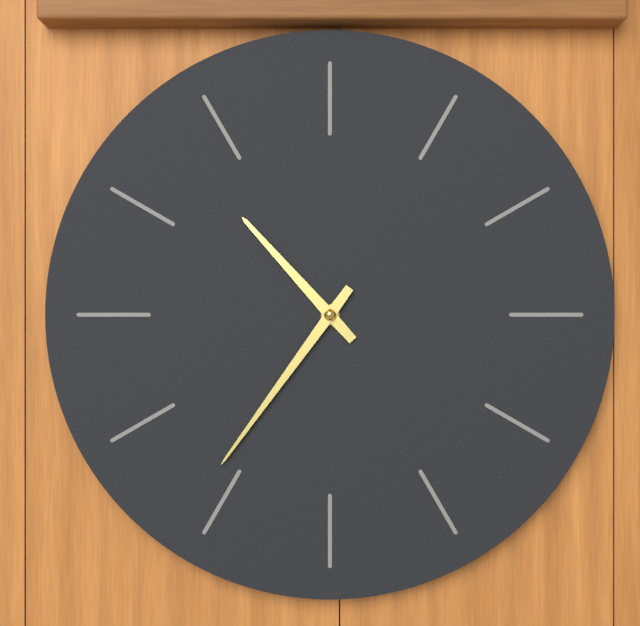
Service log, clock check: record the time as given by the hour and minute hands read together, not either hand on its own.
10:36
